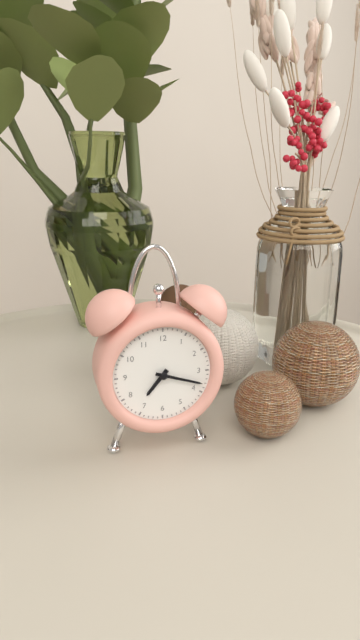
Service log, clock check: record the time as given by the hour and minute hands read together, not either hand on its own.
7:18
